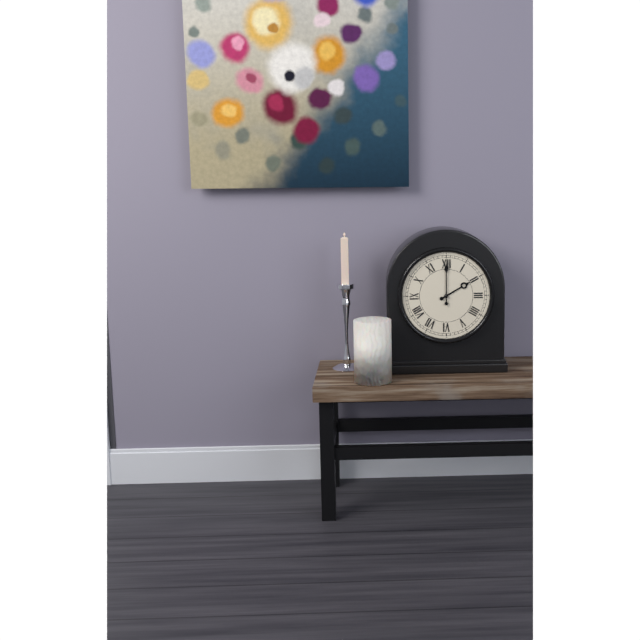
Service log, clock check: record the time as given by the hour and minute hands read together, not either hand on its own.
2:00
